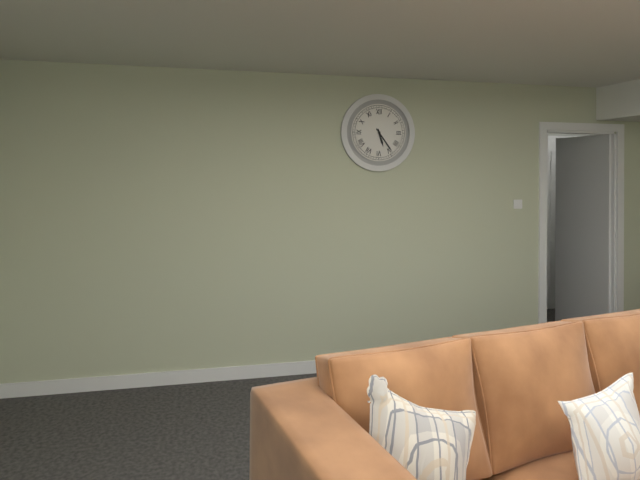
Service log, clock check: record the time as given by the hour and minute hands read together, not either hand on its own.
5:24
